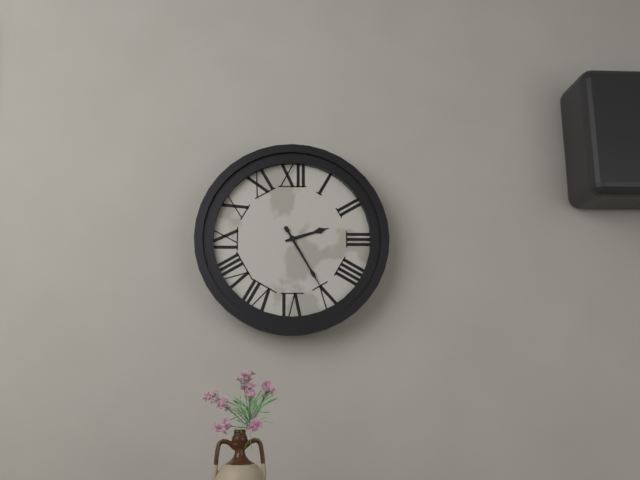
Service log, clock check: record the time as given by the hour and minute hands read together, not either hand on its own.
2:25
